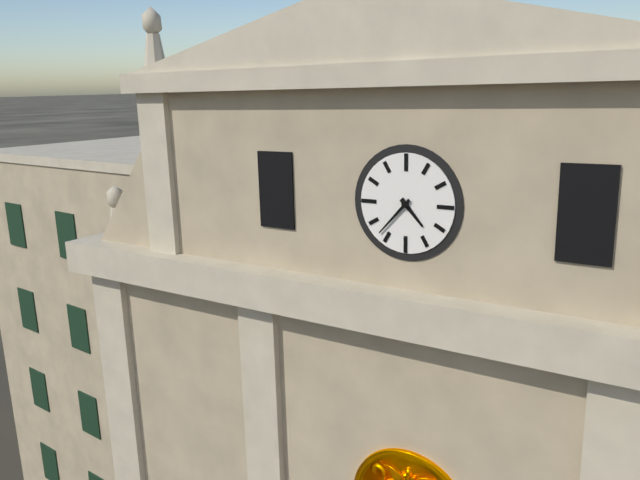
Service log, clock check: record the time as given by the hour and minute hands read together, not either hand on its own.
4:37
